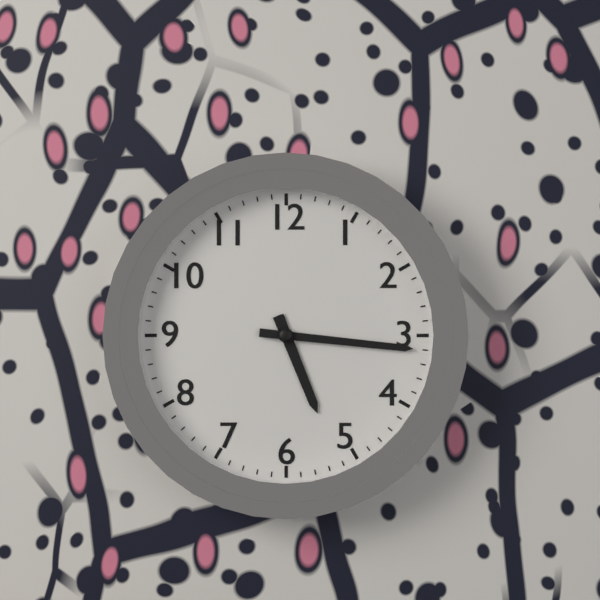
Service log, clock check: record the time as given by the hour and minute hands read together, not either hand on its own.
5:16
